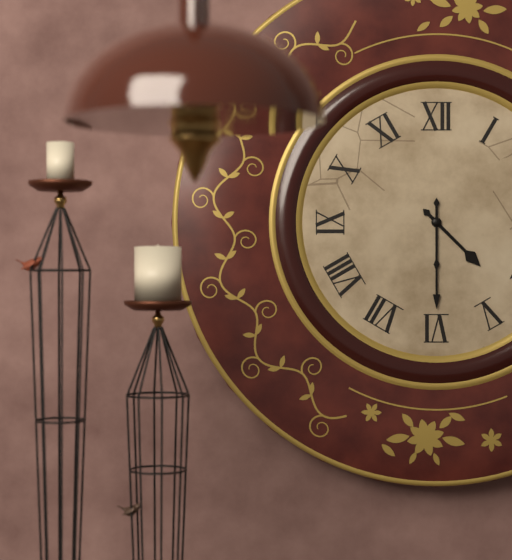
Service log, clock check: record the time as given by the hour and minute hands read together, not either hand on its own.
4:30
